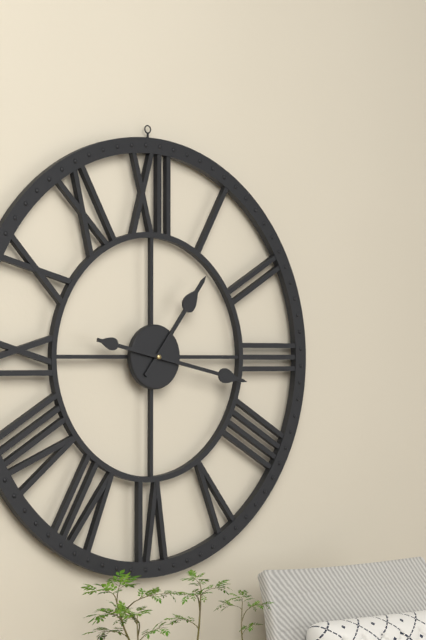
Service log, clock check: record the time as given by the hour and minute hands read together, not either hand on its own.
1:17
